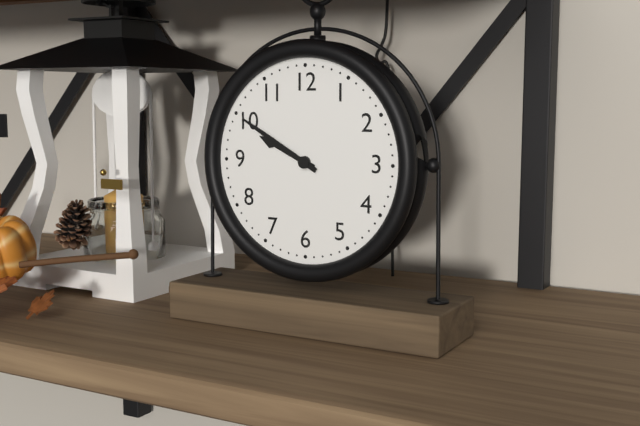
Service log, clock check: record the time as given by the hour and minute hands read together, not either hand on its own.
9:50
